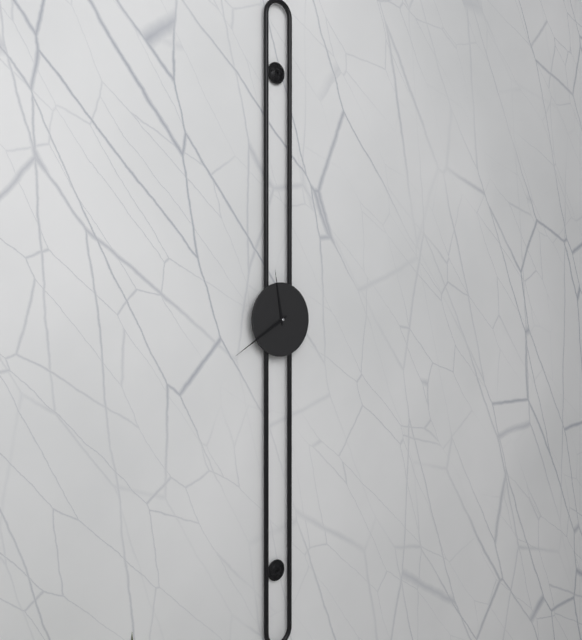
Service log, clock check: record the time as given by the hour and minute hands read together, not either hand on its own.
11:40
